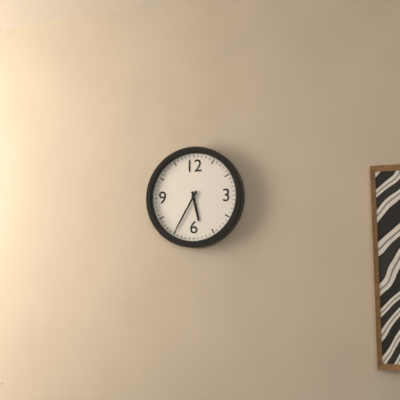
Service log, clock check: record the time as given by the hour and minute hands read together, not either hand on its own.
5:35
